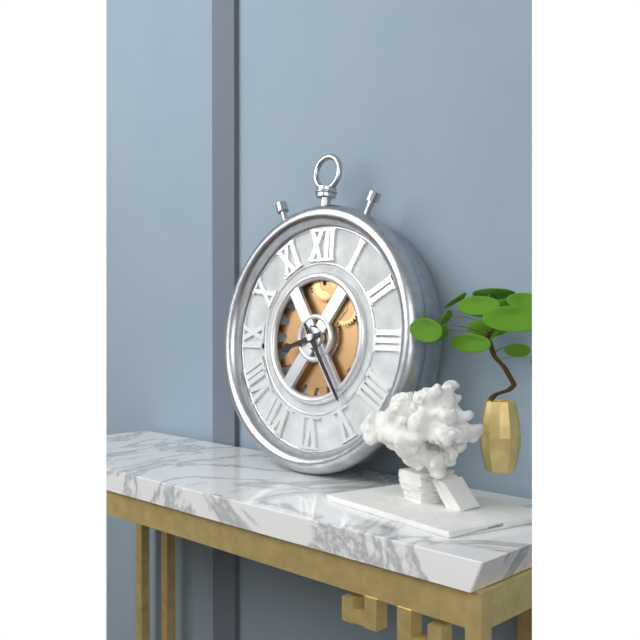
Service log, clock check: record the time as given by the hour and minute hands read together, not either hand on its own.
8:24
